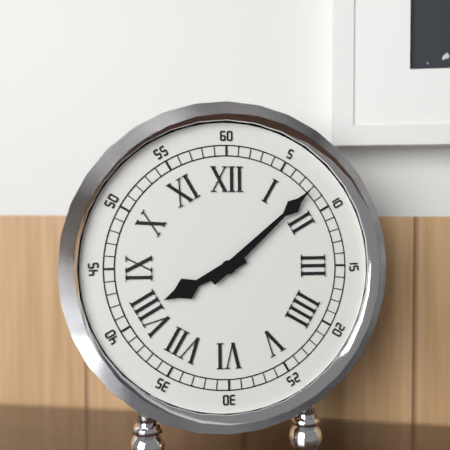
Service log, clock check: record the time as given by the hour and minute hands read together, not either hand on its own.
8:08
